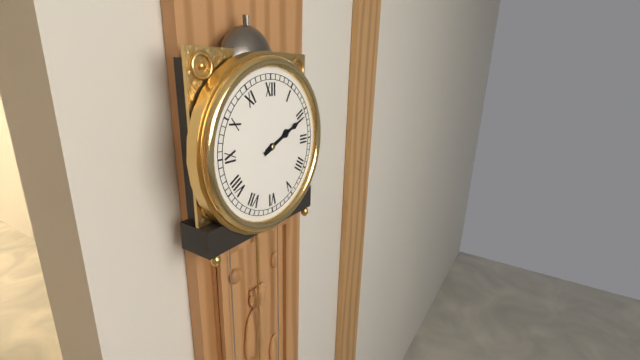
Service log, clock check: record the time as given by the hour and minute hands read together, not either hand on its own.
2:11
